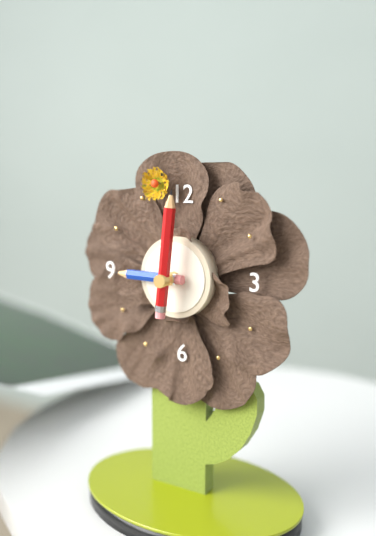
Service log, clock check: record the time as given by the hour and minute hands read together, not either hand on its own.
9:01
